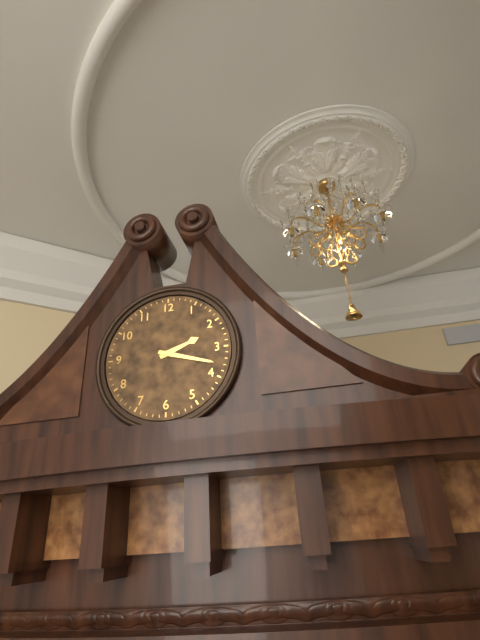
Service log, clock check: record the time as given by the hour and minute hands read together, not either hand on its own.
2:18
